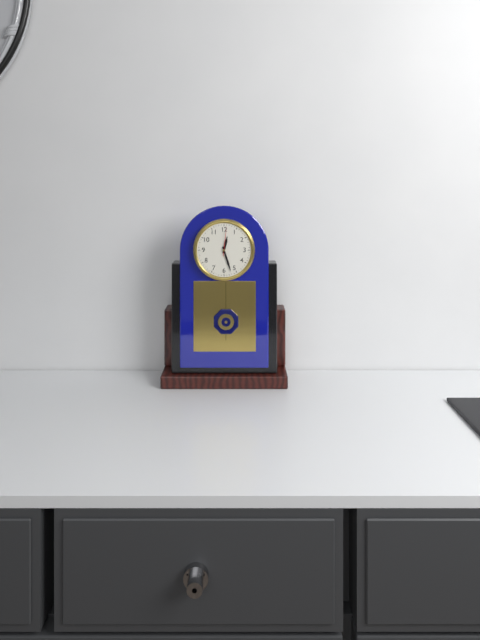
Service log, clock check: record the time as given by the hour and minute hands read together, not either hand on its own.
12:27
